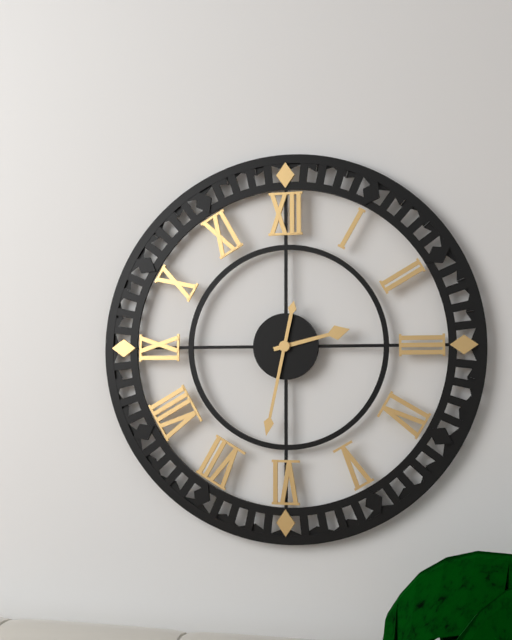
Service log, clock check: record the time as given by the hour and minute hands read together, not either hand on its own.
2:32
